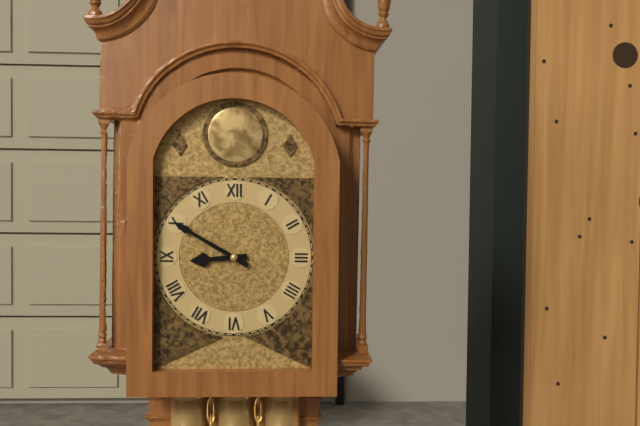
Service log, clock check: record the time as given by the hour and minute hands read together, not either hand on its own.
8:50
